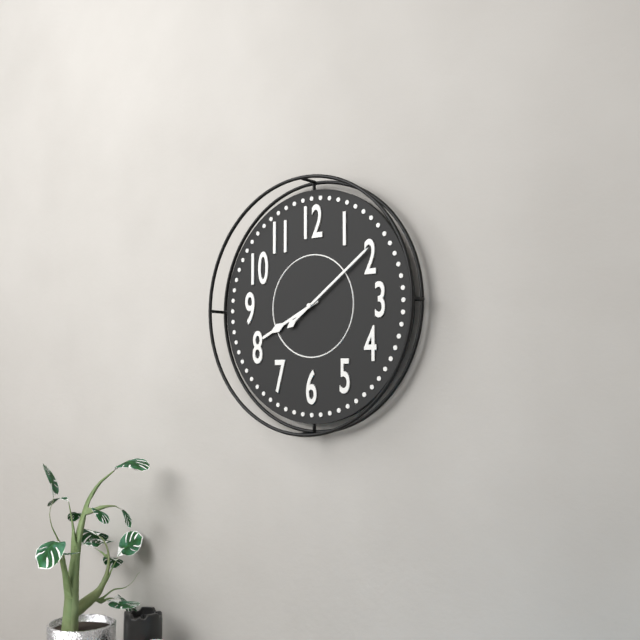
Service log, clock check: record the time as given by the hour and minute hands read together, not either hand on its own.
8:09
